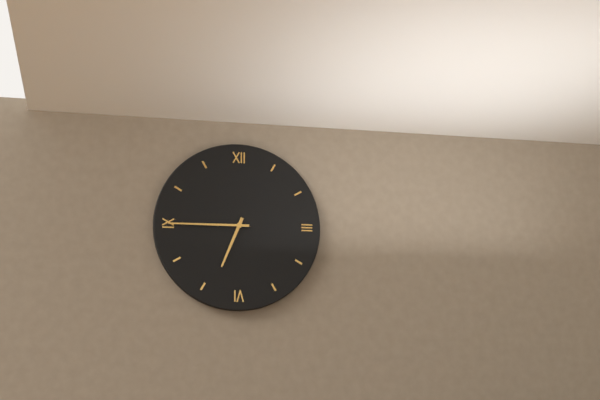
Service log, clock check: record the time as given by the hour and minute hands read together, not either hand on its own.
6:45
